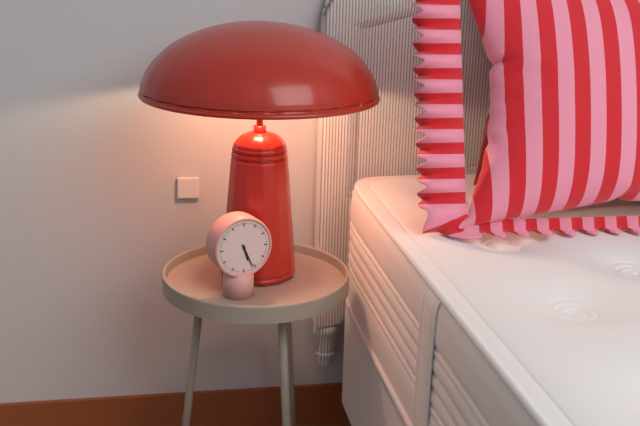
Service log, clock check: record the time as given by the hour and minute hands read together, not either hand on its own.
5:26
